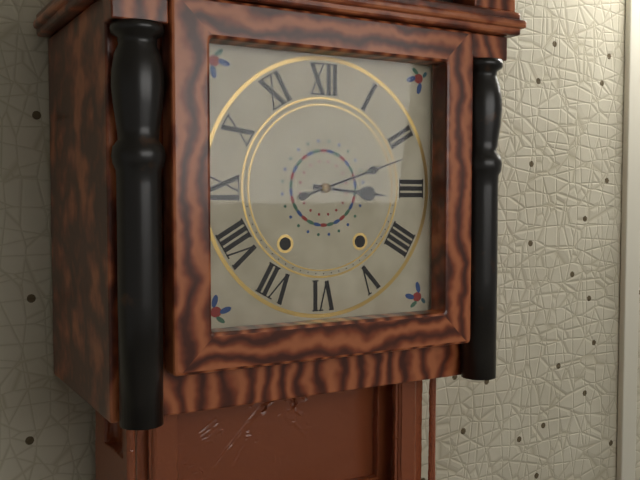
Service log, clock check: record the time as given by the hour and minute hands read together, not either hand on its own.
3:12
